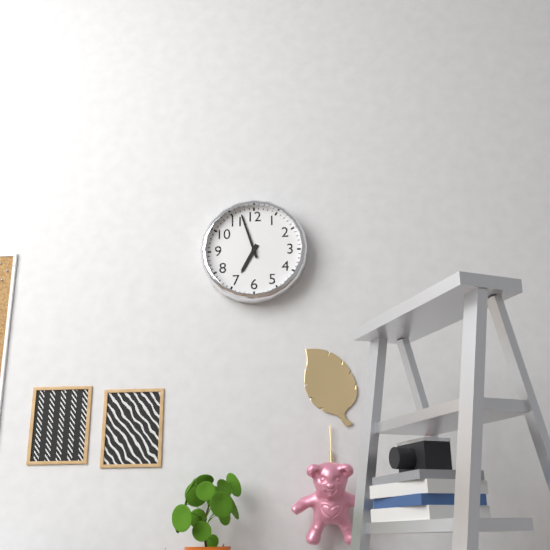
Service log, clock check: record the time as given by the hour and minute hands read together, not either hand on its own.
6:57
